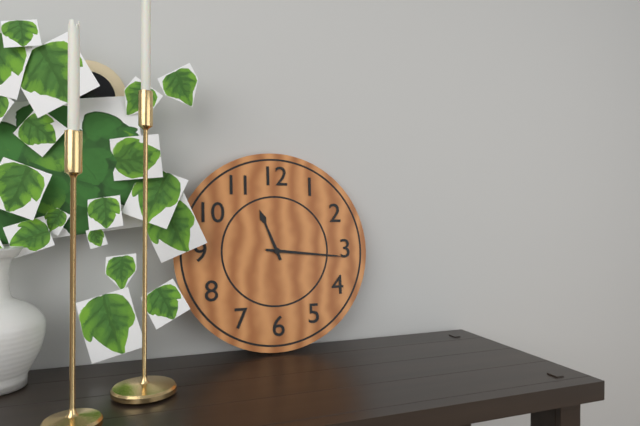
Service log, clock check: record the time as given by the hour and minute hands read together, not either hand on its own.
11:16
